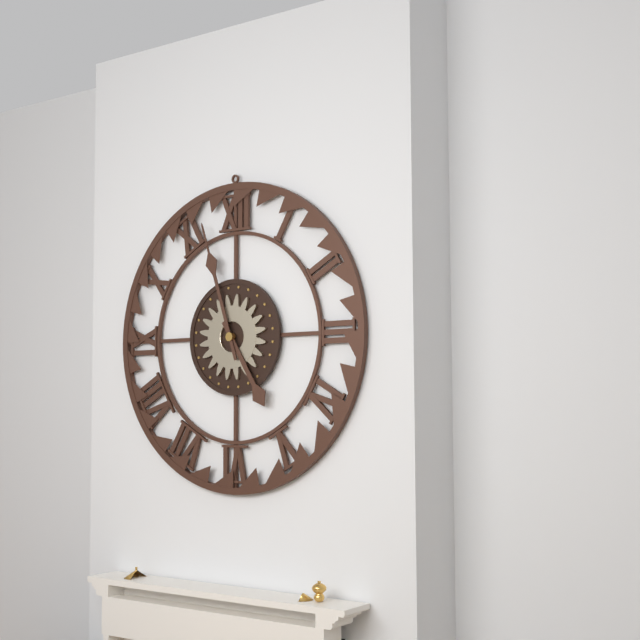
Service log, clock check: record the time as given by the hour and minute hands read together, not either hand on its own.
4:57
